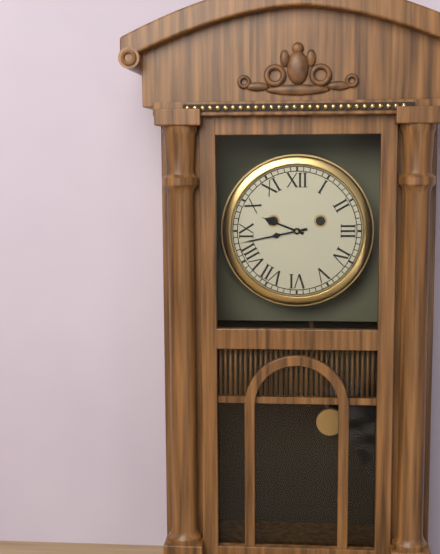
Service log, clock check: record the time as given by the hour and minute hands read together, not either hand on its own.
9:43
